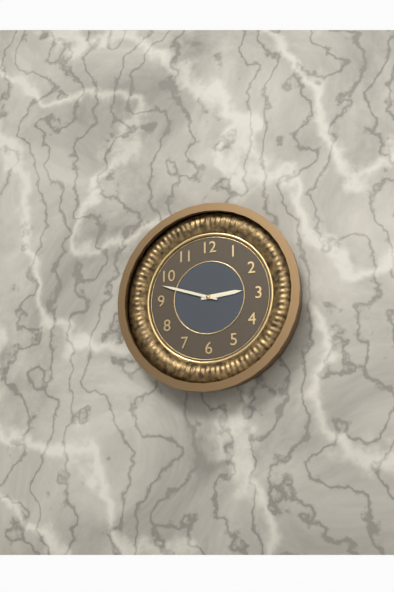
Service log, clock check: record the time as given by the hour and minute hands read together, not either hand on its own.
2:48
